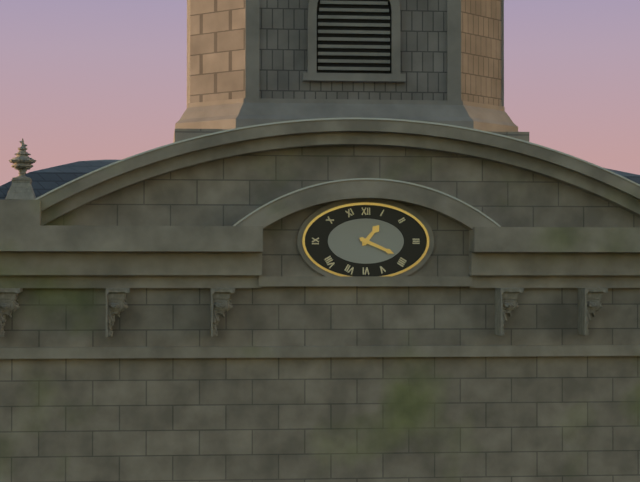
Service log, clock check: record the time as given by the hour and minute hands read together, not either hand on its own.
1:19
